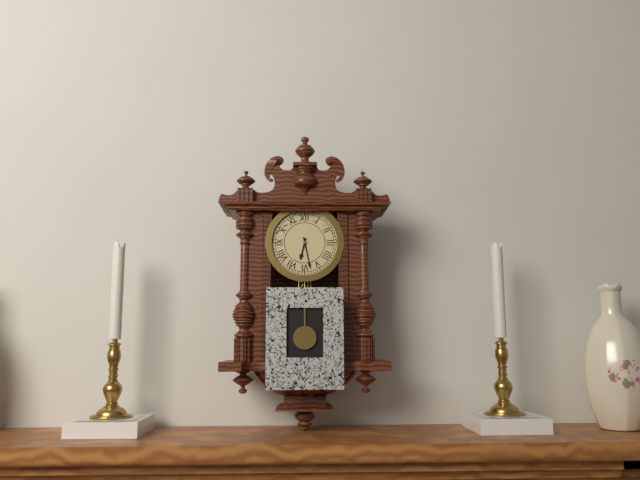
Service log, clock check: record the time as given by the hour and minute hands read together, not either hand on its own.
6:28
